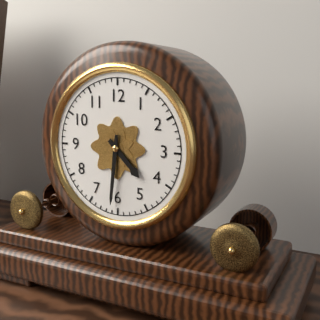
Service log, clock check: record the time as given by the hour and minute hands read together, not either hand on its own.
4:31
